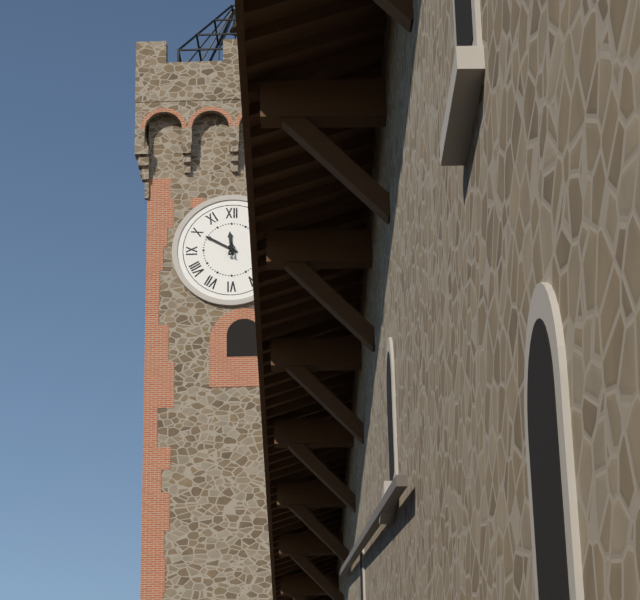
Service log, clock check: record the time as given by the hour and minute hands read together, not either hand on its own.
11:50
